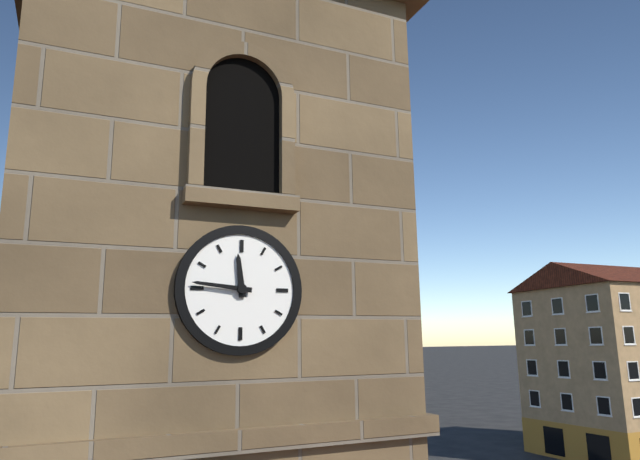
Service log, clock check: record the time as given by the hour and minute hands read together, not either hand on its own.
11:46
